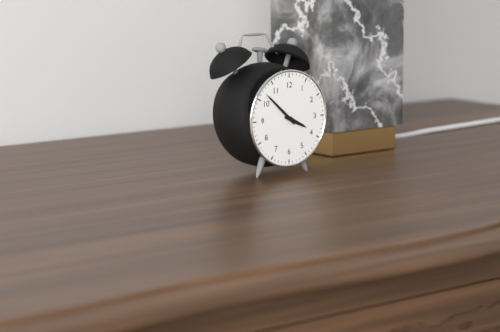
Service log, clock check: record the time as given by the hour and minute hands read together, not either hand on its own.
3:52
